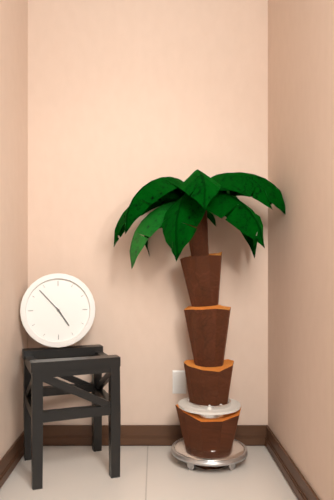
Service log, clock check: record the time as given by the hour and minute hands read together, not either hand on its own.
4:53
